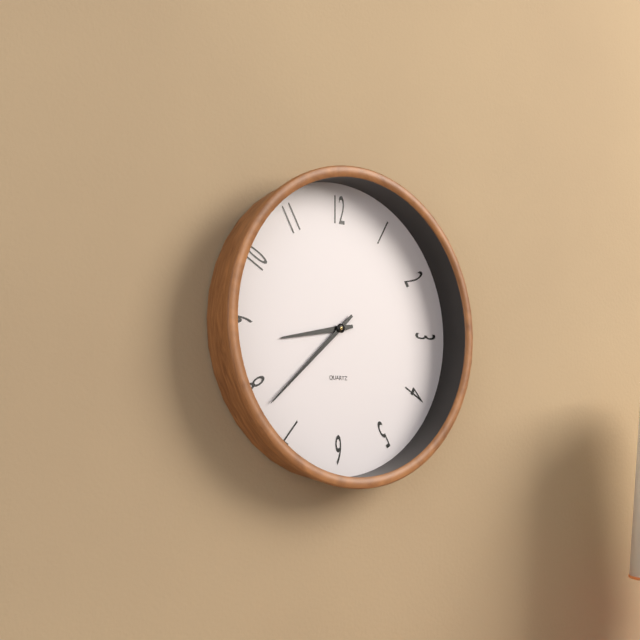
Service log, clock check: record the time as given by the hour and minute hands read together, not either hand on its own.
8:38
